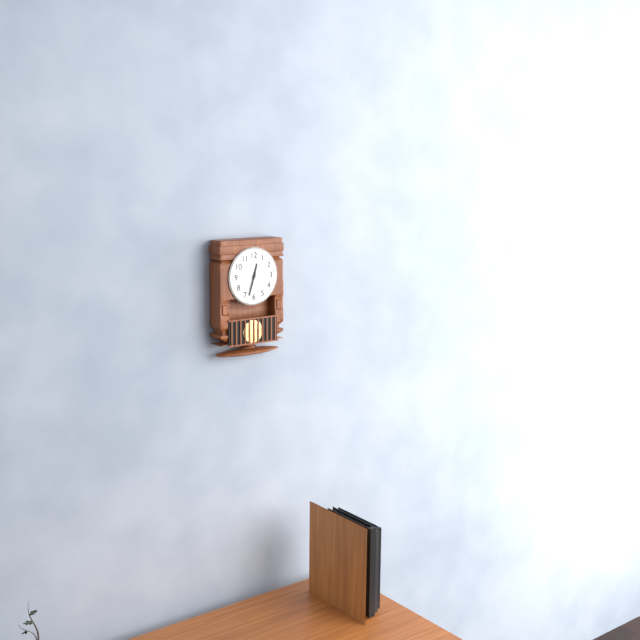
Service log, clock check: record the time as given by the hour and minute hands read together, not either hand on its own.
12:33
